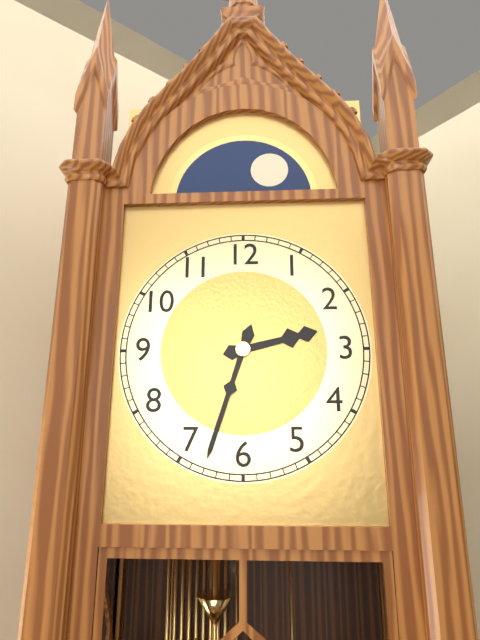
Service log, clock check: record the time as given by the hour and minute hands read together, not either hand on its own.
2:33
